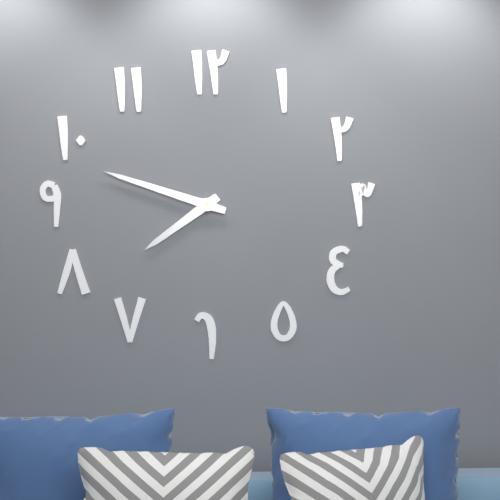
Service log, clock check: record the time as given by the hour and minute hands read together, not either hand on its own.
7:48
